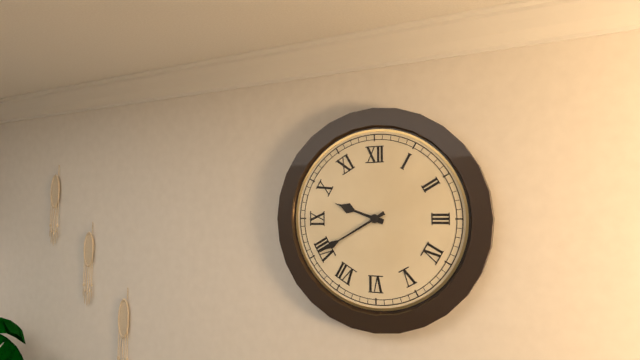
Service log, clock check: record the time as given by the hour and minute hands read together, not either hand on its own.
9:40
